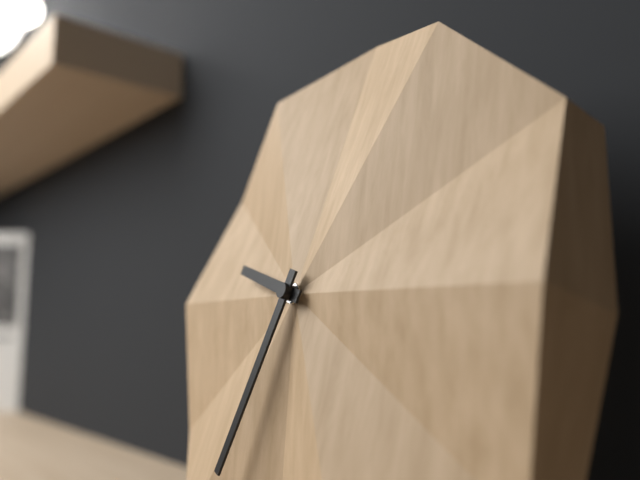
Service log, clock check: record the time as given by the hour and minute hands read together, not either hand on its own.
9:33
